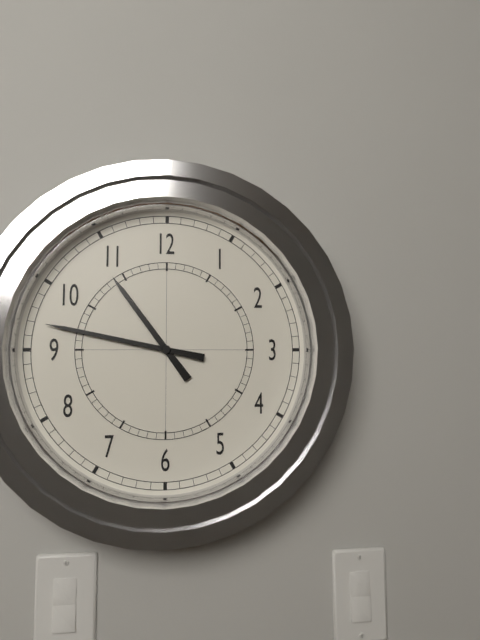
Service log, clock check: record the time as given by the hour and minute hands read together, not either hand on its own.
10:47
